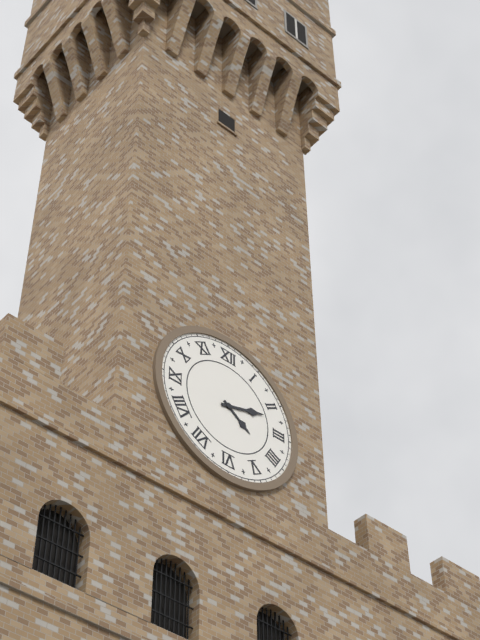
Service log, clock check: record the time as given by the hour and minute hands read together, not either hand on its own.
4:12
